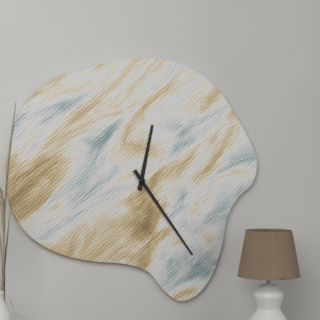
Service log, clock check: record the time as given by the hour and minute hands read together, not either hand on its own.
12:24
